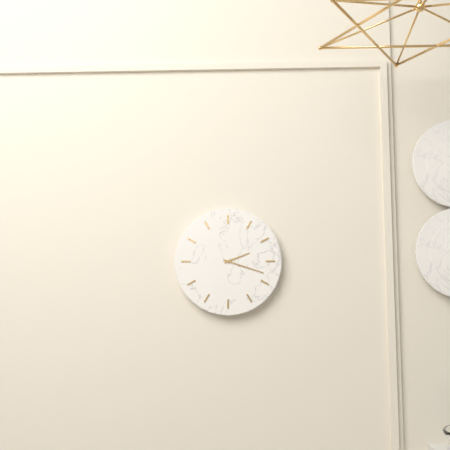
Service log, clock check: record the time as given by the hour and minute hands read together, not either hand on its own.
2:18
